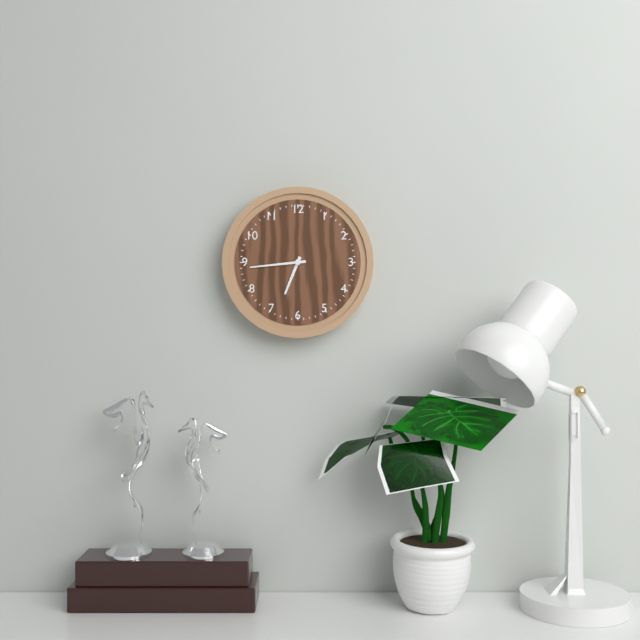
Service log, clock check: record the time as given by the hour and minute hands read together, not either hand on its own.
6:44
